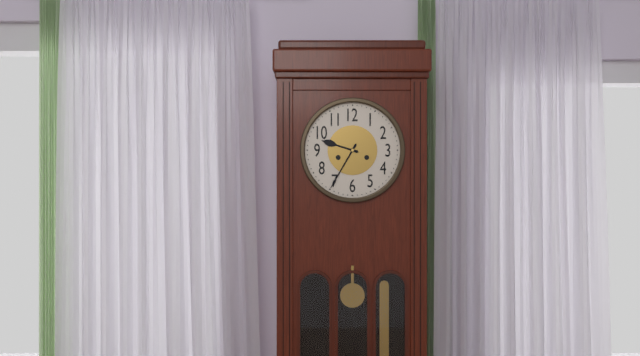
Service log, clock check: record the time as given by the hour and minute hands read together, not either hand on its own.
9:35
